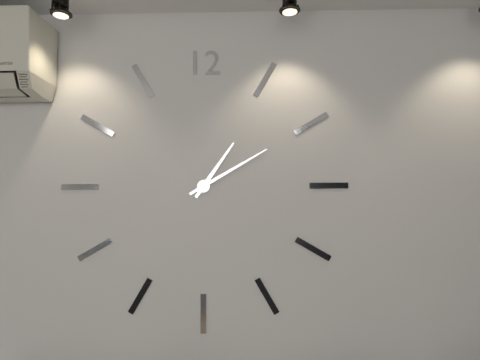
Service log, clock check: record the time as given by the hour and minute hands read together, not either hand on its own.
1:10
